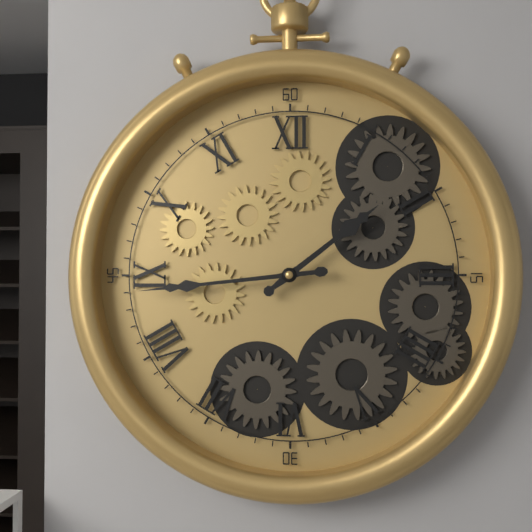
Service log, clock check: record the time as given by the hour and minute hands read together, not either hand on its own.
1:44
